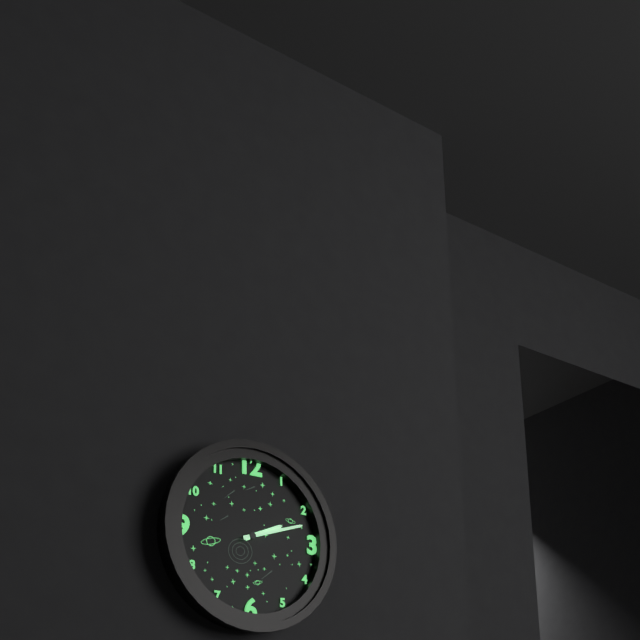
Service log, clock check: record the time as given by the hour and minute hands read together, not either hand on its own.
2:12
